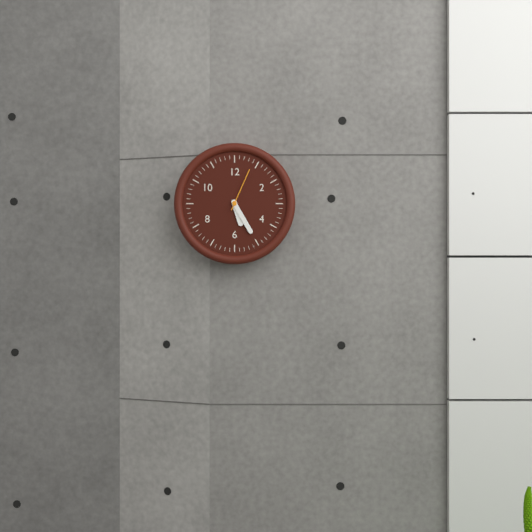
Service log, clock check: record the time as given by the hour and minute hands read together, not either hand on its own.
5:25
